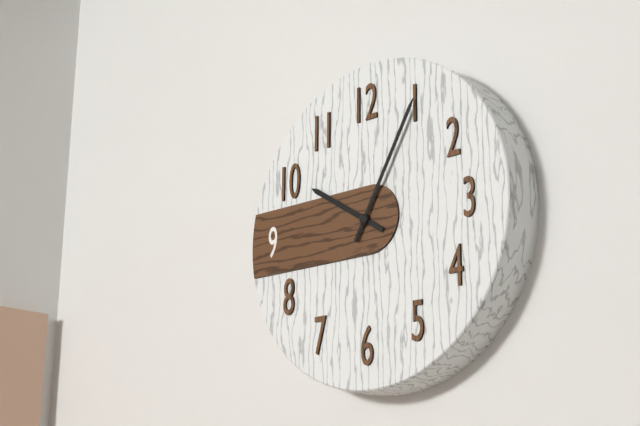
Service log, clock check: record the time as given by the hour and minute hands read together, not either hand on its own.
10:05
